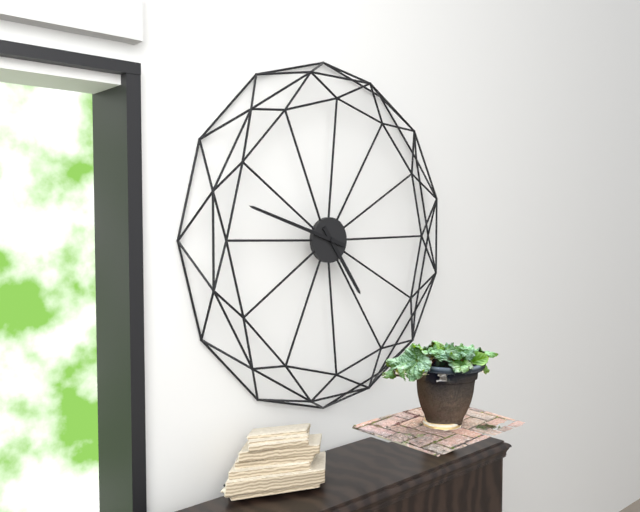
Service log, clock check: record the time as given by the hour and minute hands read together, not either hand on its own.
4:48
